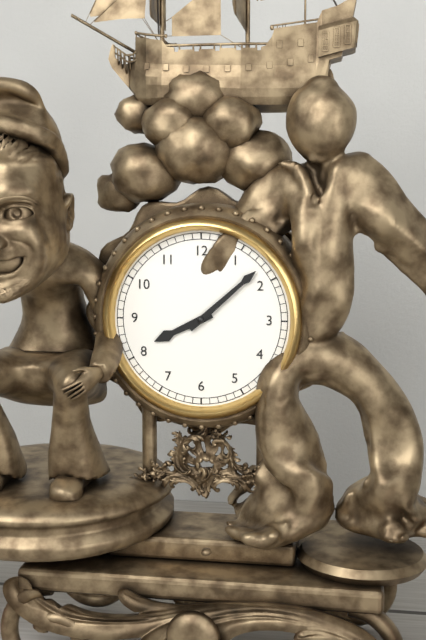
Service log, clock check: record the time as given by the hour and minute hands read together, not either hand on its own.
8:08
